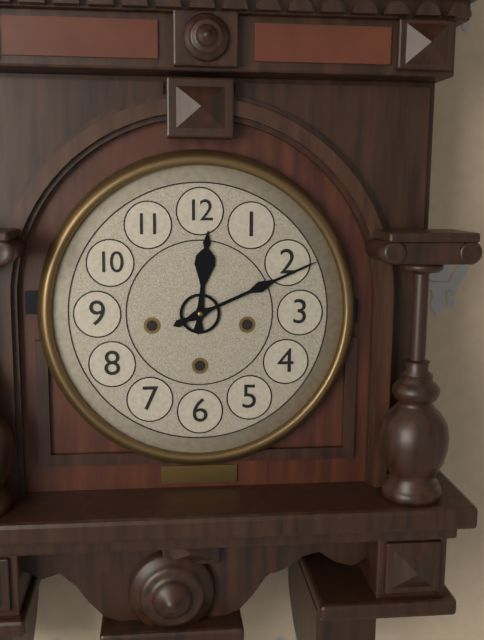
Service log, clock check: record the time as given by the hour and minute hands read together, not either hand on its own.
12:11
